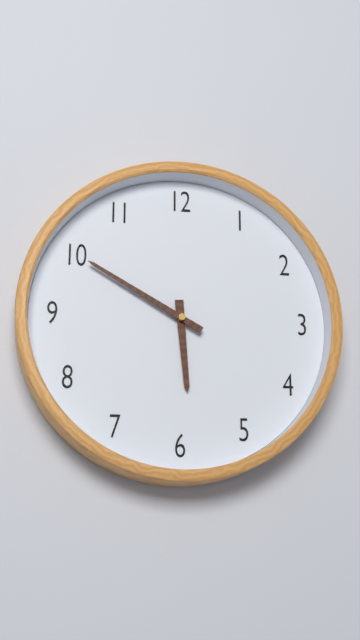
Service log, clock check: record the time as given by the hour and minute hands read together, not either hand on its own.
5:50
